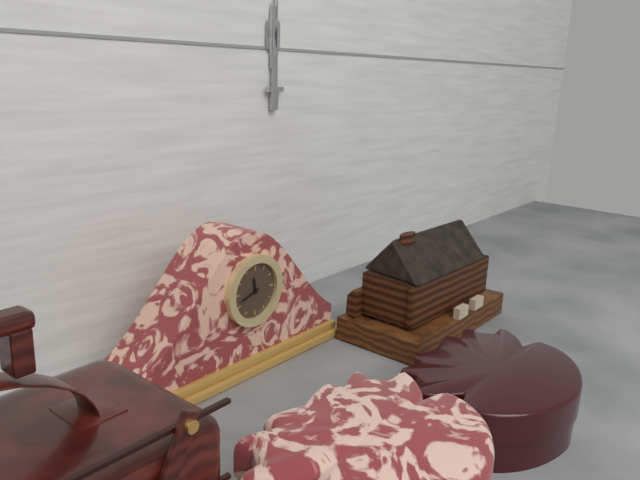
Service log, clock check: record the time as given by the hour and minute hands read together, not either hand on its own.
11:42
